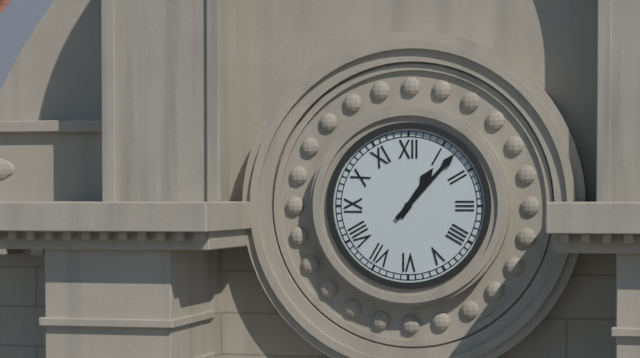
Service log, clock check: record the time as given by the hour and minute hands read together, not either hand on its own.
1:07
